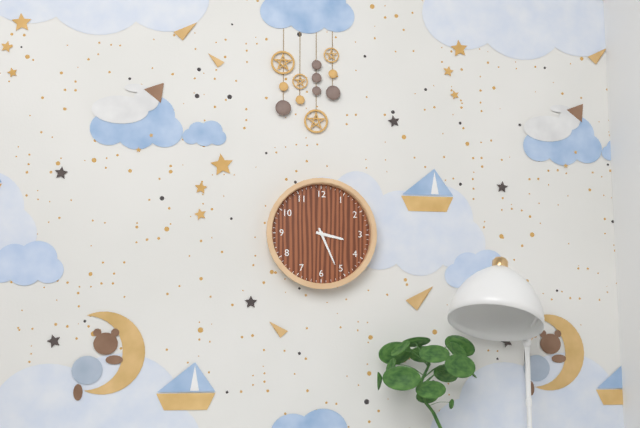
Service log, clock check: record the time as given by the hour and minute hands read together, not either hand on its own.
3:26
